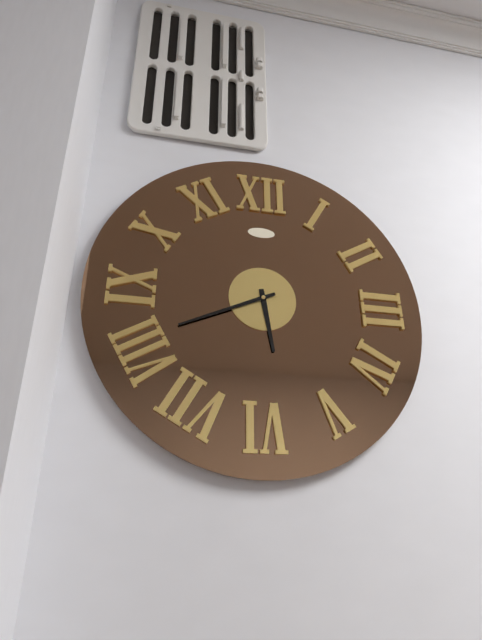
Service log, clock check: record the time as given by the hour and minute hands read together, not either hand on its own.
5:41
